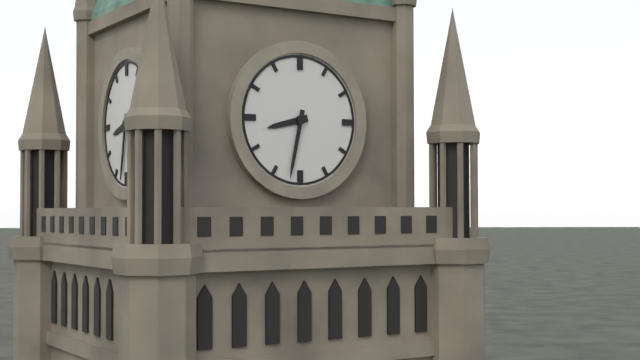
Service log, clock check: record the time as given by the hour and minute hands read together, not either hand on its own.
8:32
